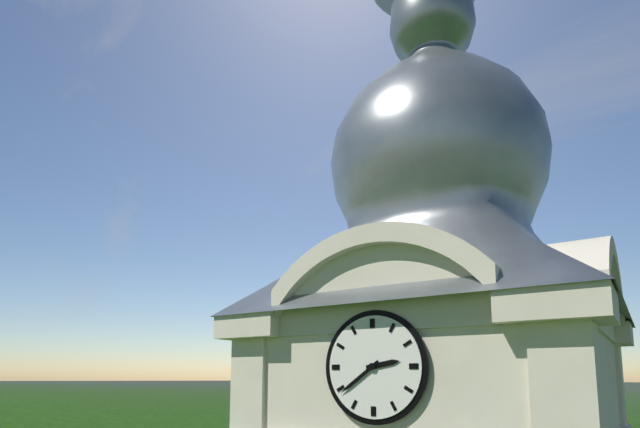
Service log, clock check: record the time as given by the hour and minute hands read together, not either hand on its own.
2:39
